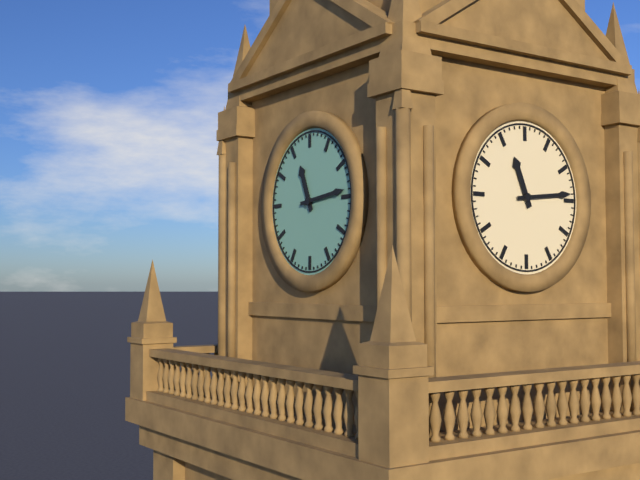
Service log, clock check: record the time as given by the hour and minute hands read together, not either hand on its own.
11:14
